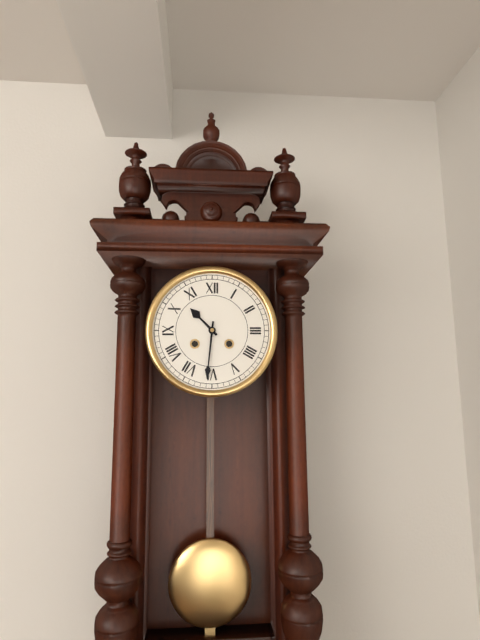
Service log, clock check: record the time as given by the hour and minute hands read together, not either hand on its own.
10:31
